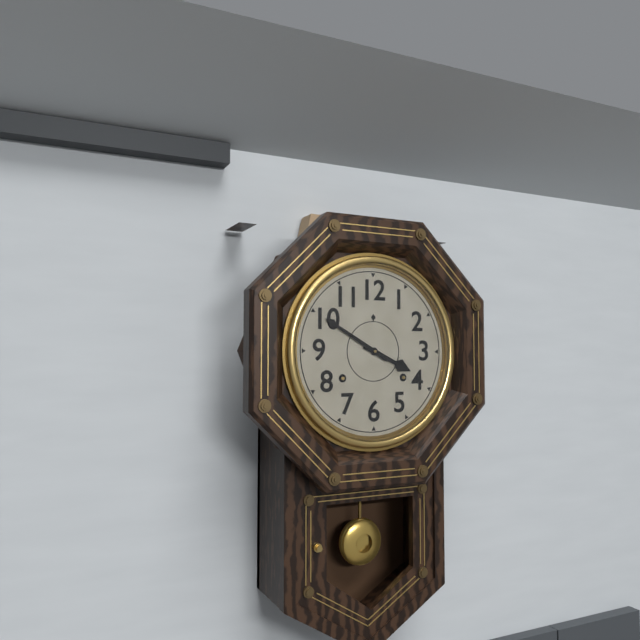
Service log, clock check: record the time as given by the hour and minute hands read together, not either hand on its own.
3:50
